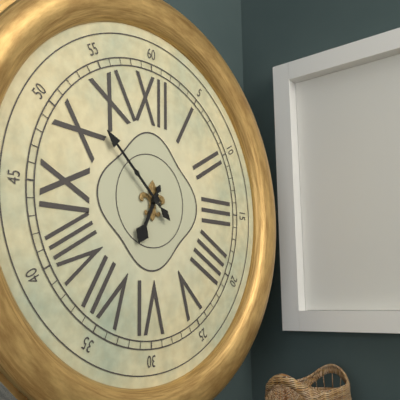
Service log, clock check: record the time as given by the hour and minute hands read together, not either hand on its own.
6:52
